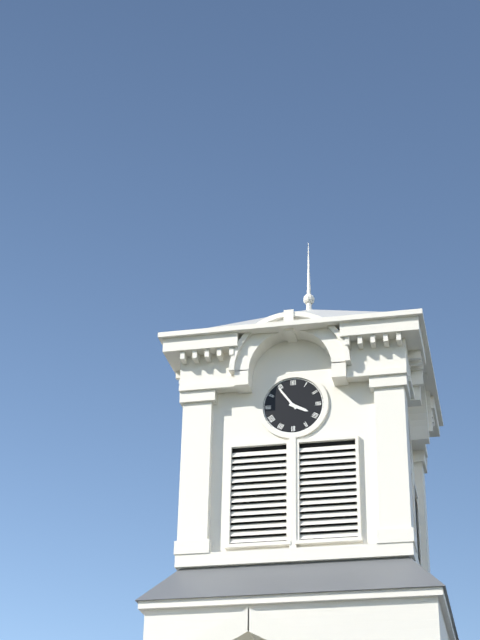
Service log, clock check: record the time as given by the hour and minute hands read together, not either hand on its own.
3:54
